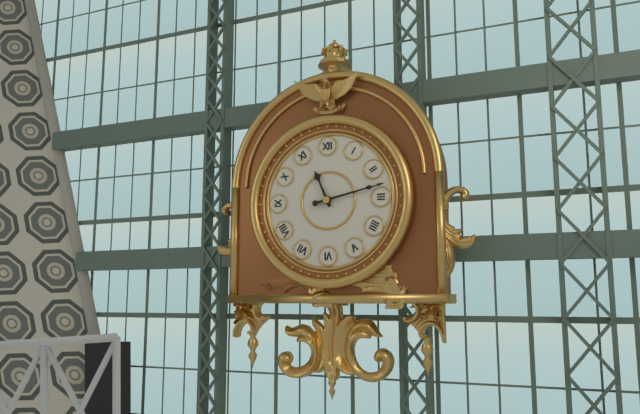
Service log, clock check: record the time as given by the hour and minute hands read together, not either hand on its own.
11:13
